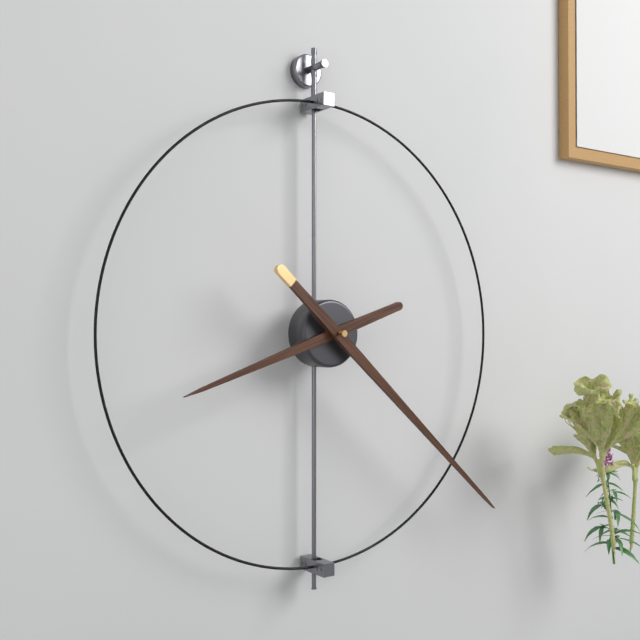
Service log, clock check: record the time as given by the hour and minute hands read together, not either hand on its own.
8:22
